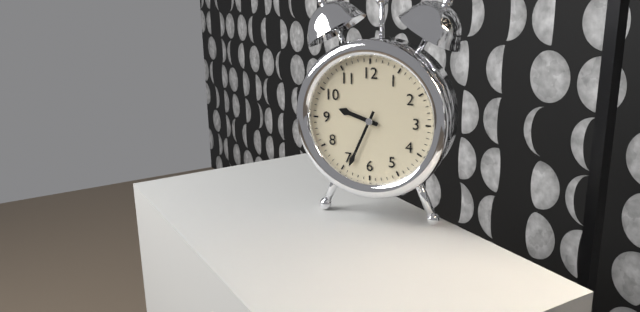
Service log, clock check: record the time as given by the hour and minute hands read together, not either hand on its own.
9:34
